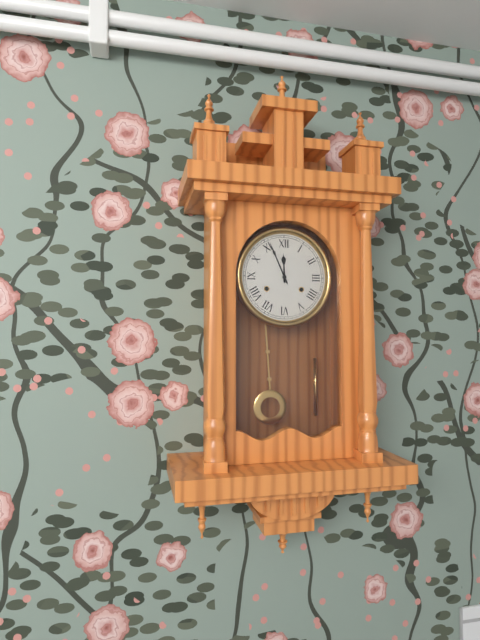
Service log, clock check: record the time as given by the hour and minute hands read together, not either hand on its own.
11:56
